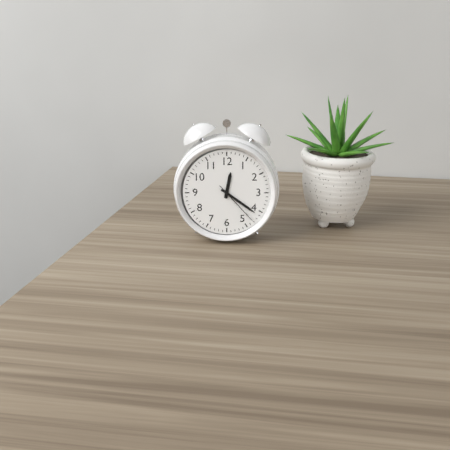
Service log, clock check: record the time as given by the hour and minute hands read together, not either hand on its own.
12:21
